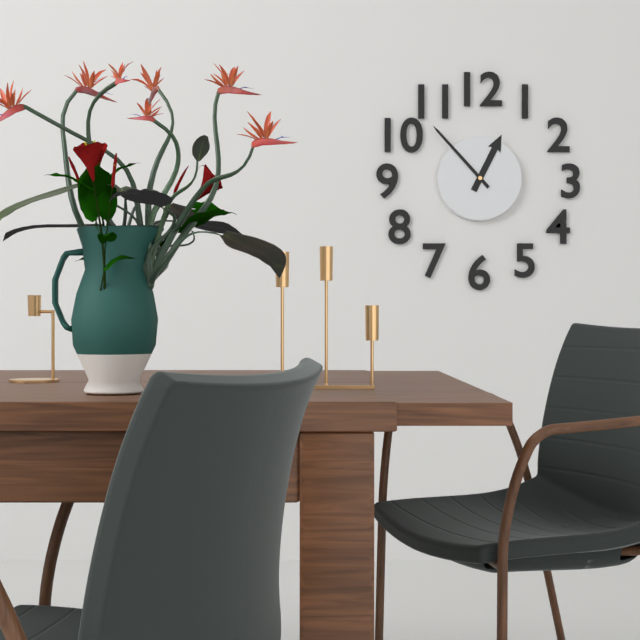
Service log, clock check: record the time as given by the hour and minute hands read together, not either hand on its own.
12:53
